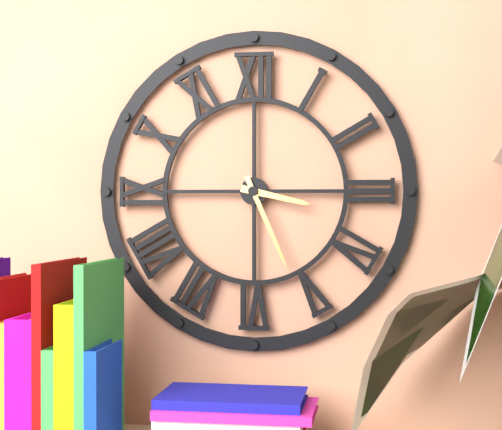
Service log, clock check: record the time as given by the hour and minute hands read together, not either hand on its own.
3:26
